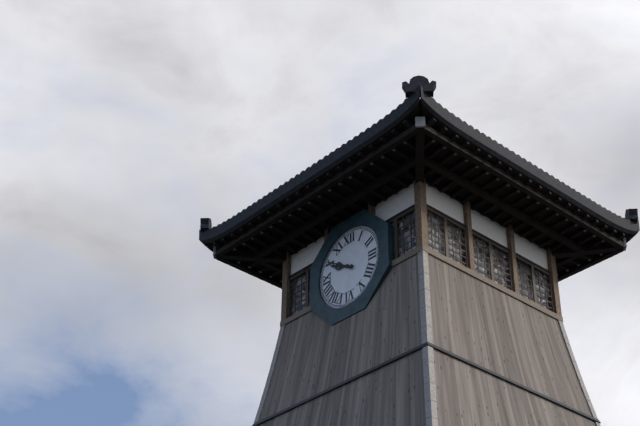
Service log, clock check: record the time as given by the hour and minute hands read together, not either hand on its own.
9:50
